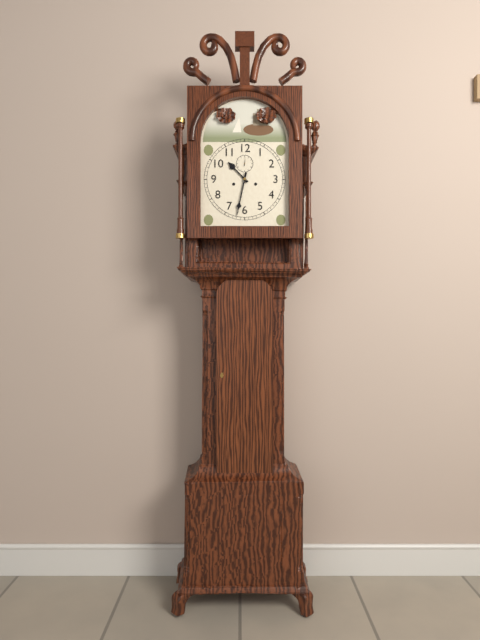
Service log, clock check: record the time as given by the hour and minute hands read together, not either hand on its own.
10:32
